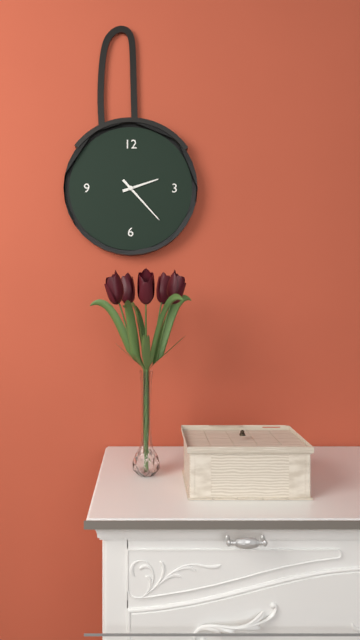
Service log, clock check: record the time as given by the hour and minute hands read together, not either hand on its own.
2:23
